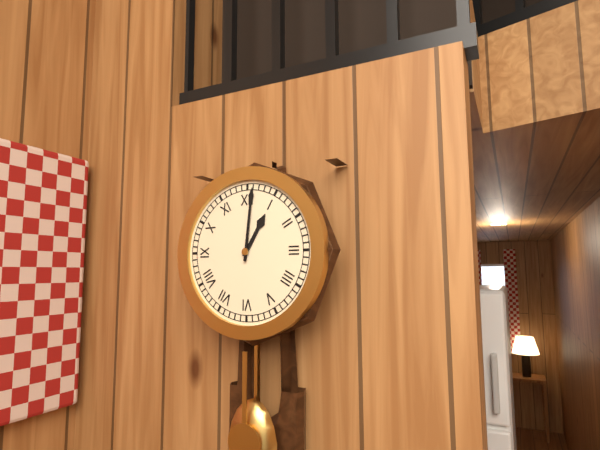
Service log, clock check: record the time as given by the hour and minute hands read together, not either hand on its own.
1:01
